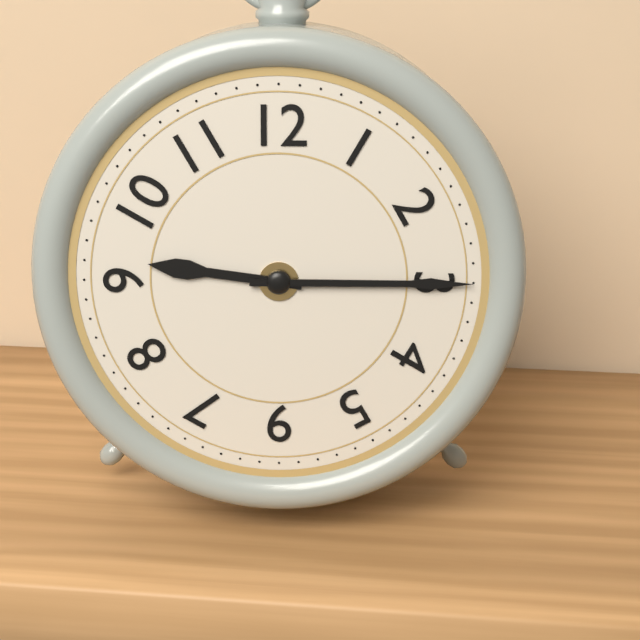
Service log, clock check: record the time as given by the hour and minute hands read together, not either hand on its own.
9:15
